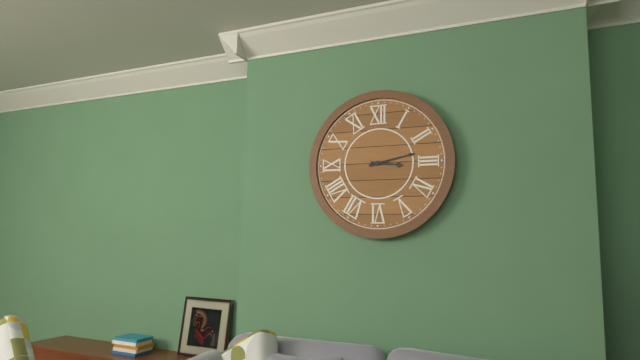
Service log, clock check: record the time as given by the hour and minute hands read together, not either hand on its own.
3:13
